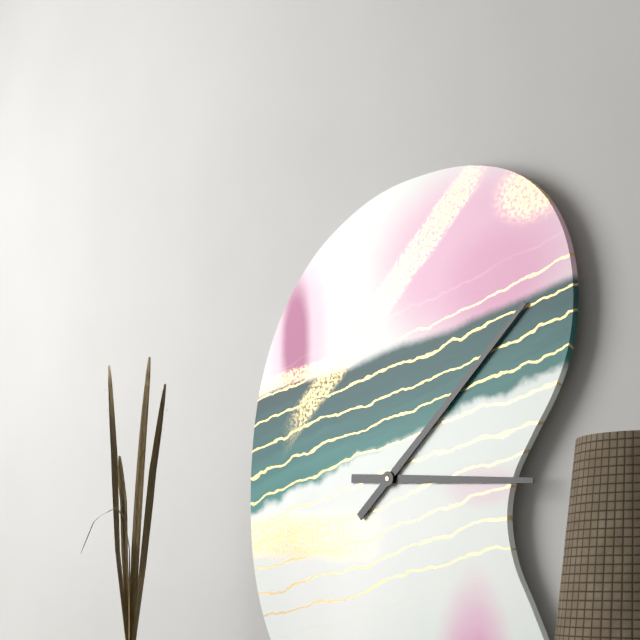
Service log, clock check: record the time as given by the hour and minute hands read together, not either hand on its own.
3:08
